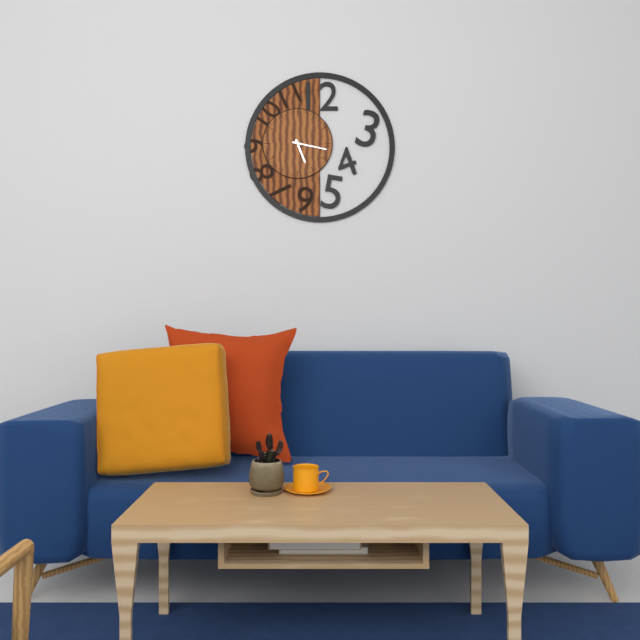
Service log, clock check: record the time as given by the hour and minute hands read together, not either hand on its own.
5:17
